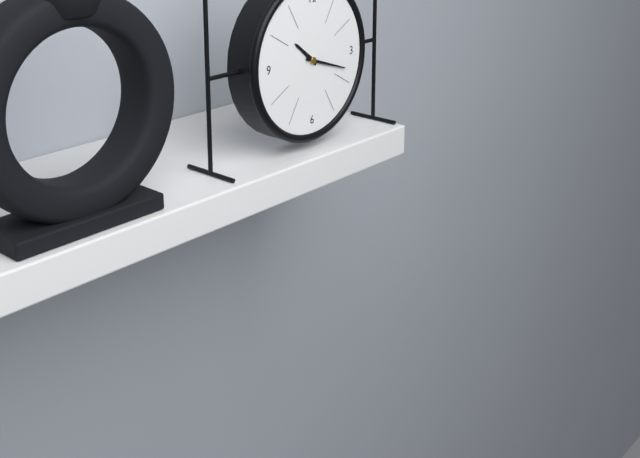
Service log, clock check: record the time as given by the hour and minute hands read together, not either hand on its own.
10:18
